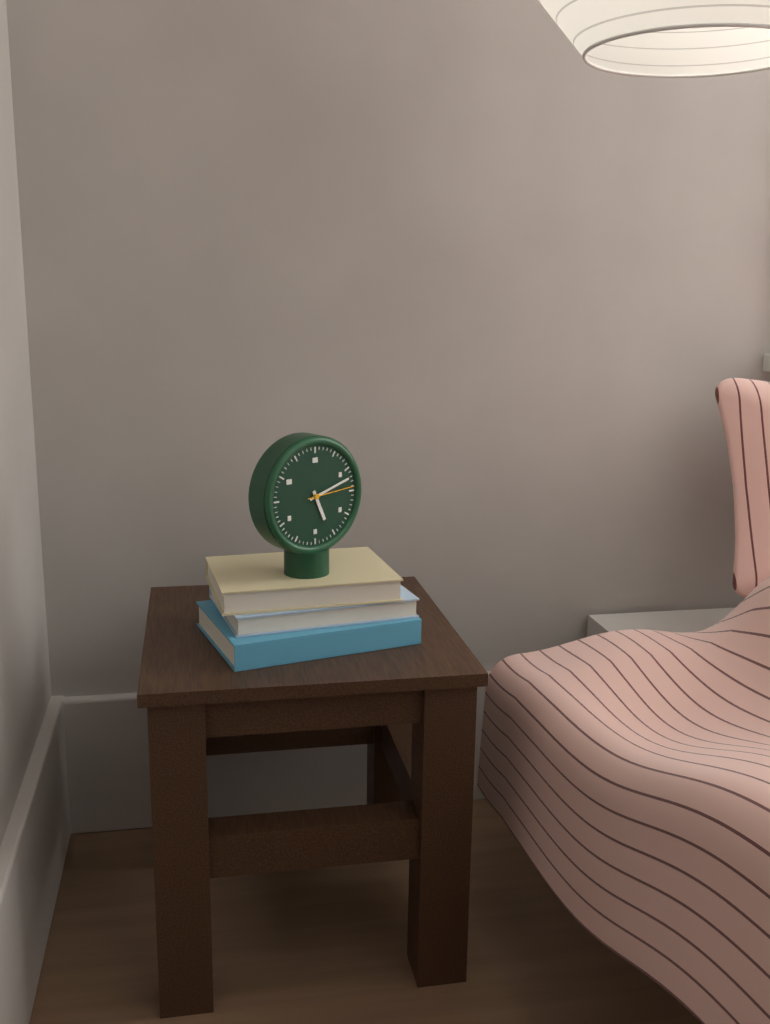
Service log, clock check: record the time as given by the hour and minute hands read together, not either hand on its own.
5:12
